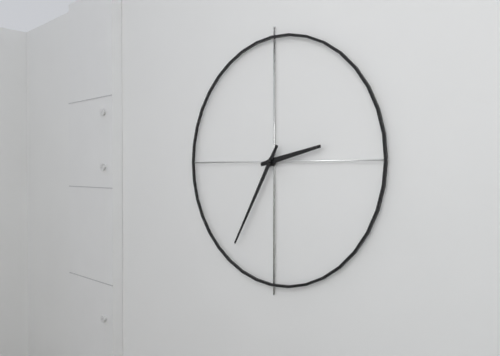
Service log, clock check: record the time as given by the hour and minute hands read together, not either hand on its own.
2:35
